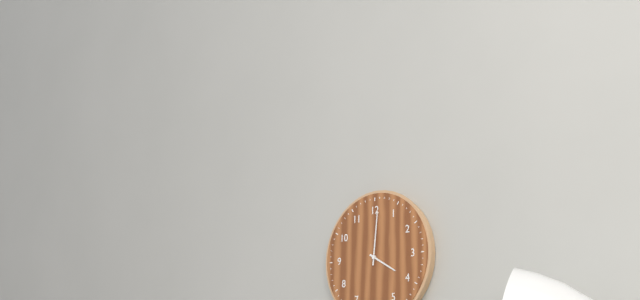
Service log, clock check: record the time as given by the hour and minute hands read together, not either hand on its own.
4:01
